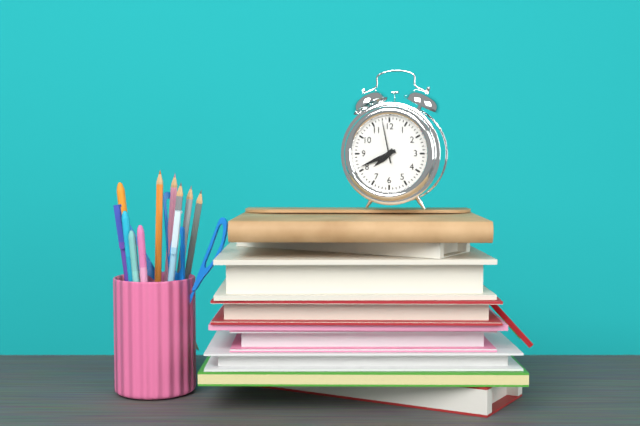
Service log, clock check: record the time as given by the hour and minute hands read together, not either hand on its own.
7:41
